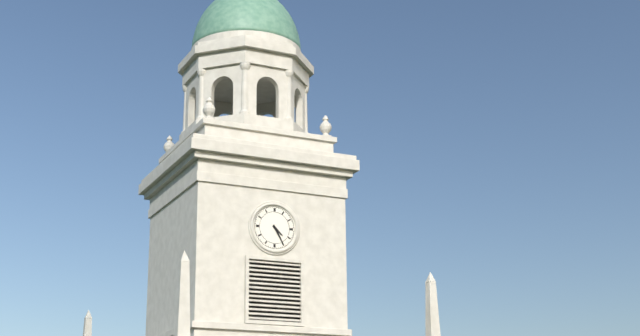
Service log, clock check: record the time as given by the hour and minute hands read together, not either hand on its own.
4:25
